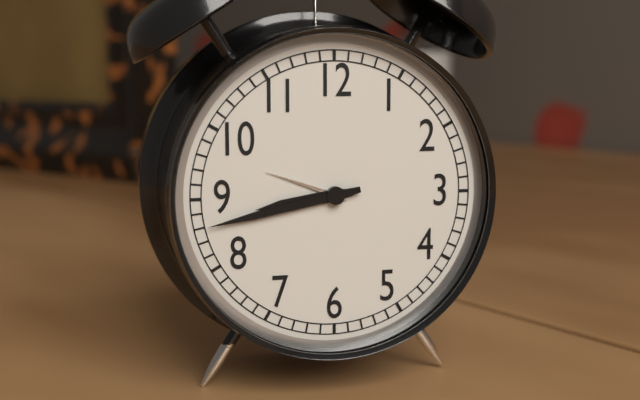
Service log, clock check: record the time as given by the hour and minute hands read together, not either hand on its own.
8:43
